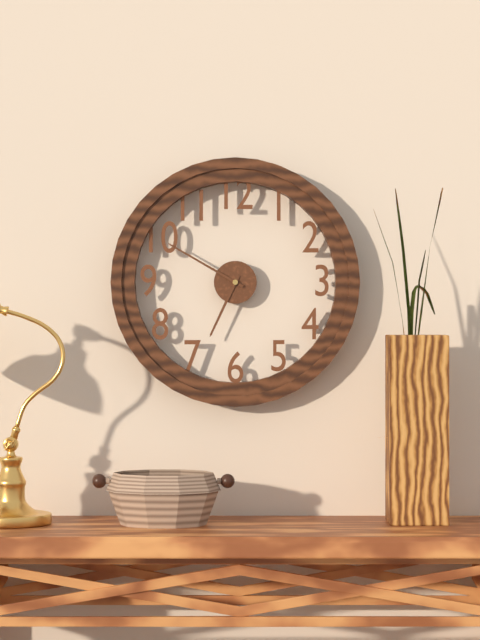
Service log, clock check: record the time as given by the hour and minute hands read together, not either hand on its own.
6:50
